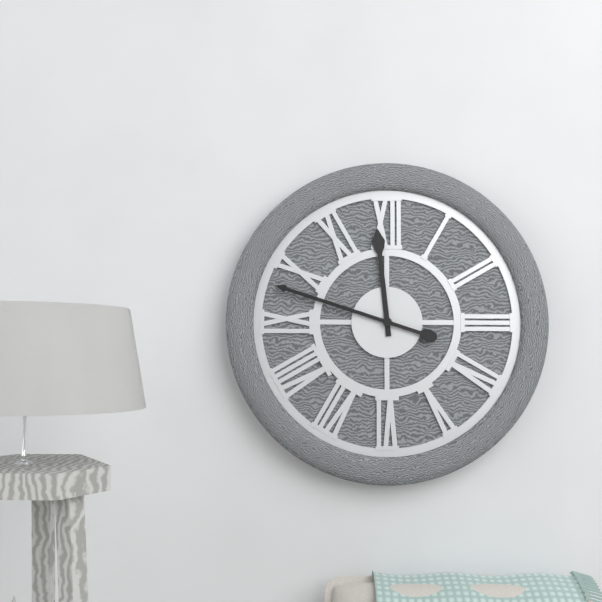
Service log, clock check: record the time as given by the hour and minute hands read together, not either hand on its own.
11:48
